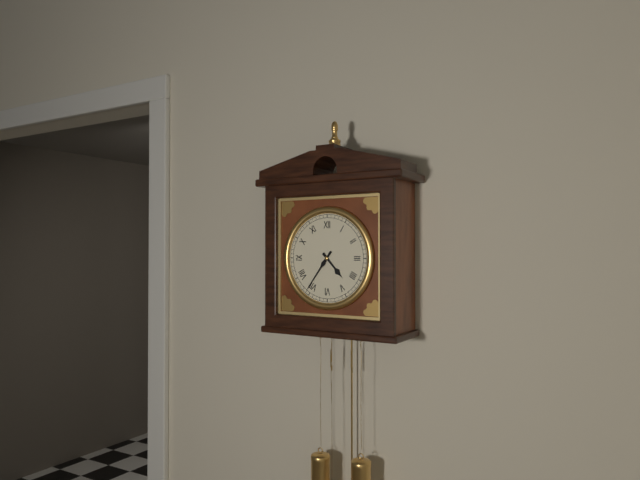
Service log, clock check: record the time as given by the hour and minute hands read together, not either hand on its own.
4:36
